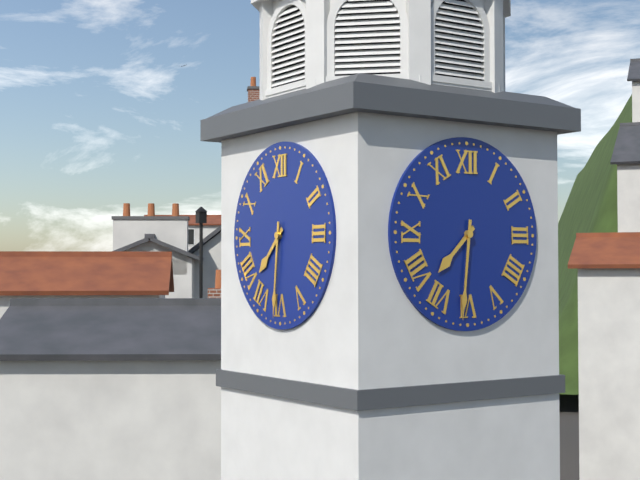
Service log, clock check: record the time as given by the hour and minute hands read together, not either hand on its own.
7:31
